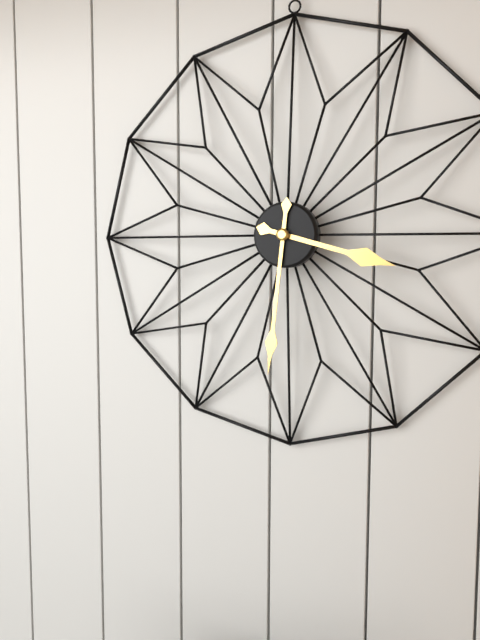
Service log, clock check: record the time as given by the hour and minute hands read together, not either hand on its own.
3:31
